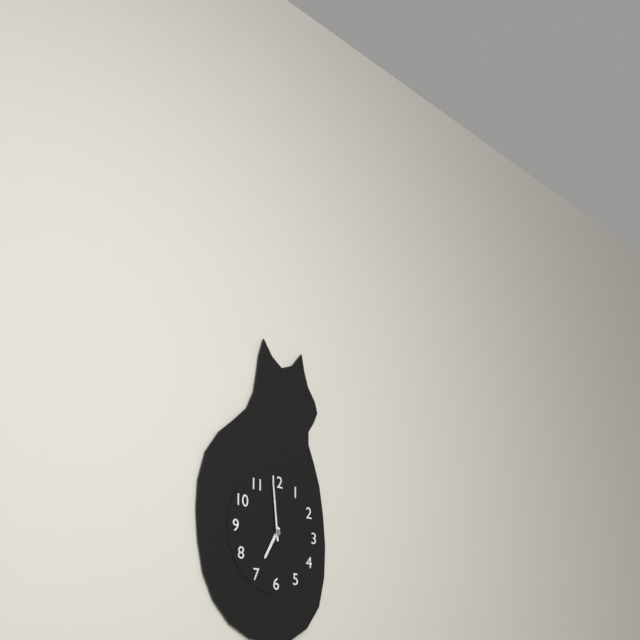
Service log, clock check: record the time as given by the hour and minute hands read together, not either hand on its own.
6:59
